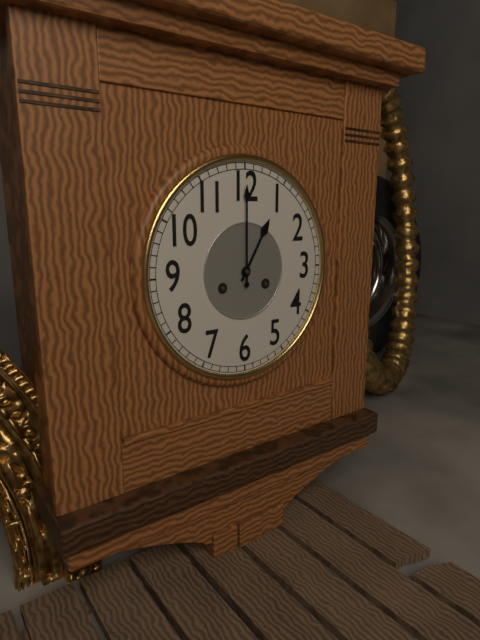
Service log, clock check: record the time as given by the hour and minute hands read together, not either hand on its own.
1:00
